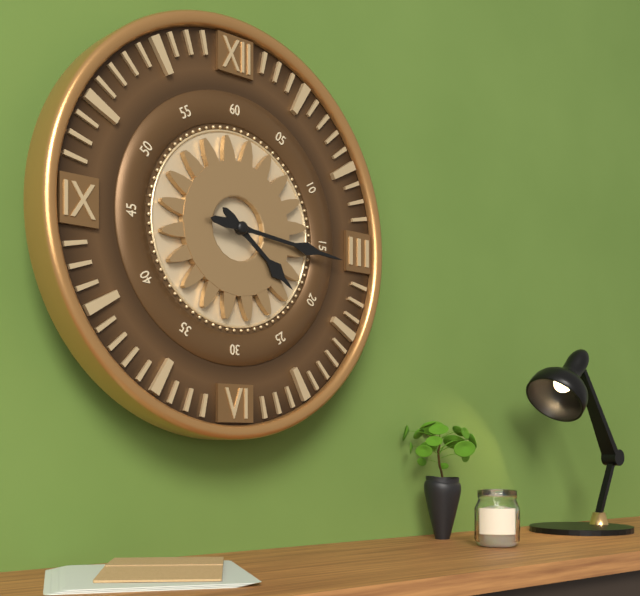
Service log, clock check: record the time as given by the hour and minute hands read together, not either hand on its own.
4:16
